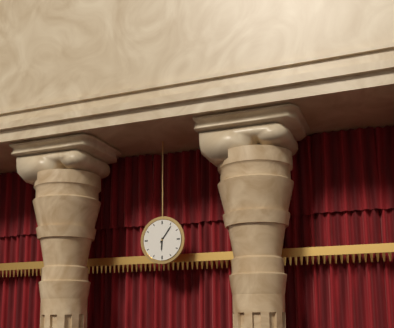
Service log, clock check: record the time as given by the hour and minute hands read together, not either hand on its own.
6:06
